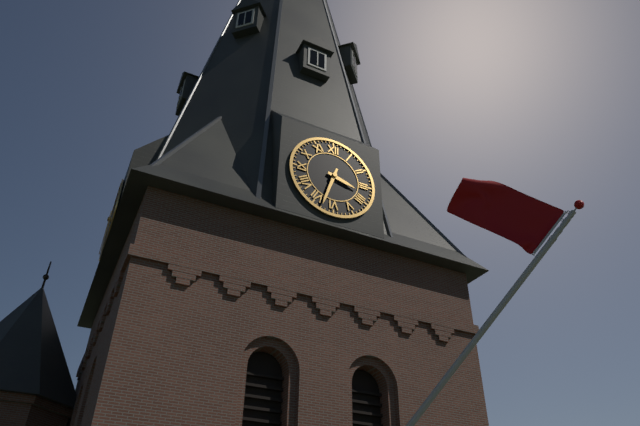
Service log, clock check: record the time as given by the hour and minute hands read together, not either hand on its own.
3:33
